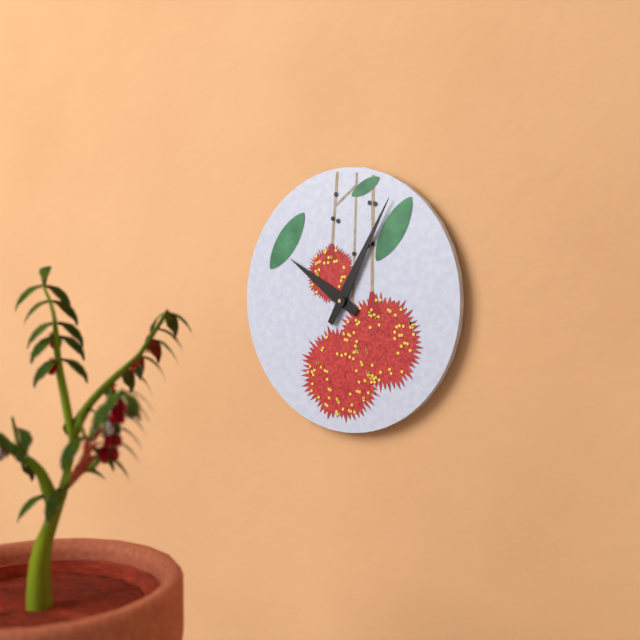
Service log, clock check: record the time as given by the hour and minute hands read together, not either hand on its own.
10:05
